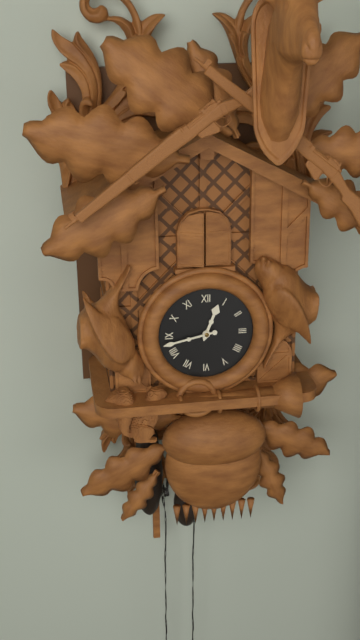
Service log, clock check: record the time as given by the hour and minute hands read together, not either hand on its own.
12:43
